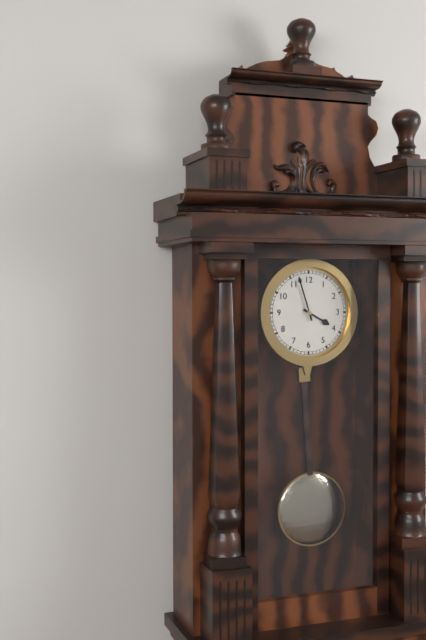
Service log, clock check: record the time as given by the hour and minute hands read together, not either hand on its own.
3:57
